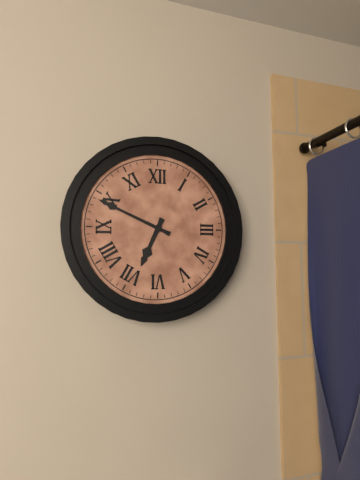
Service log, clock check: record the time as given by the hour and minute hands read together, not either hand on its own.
6:49
